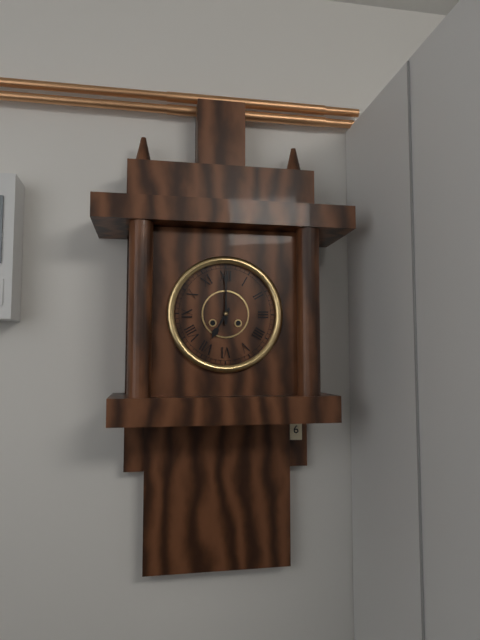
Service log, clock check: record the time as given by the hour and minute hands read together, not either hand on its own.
7:00
